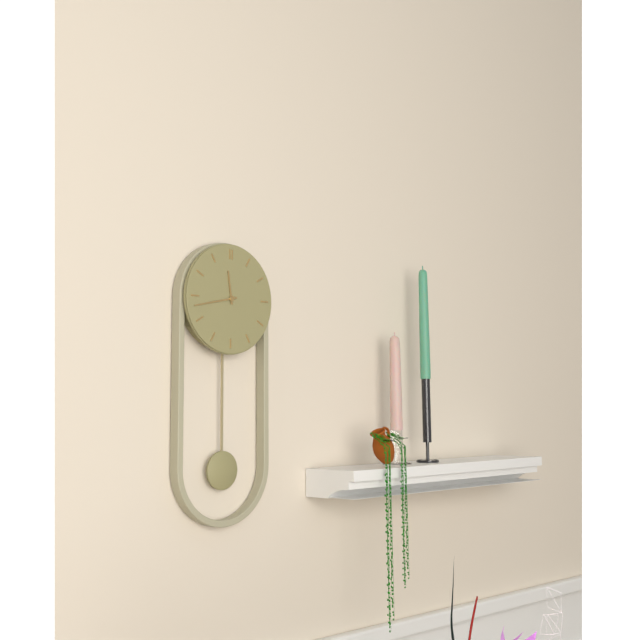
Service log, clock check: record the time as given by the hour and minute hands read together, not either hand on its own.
11:43
